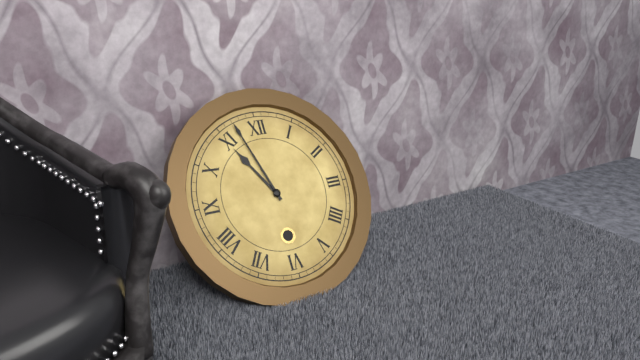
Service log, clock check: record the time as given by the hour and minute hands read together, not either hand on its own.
10:57
